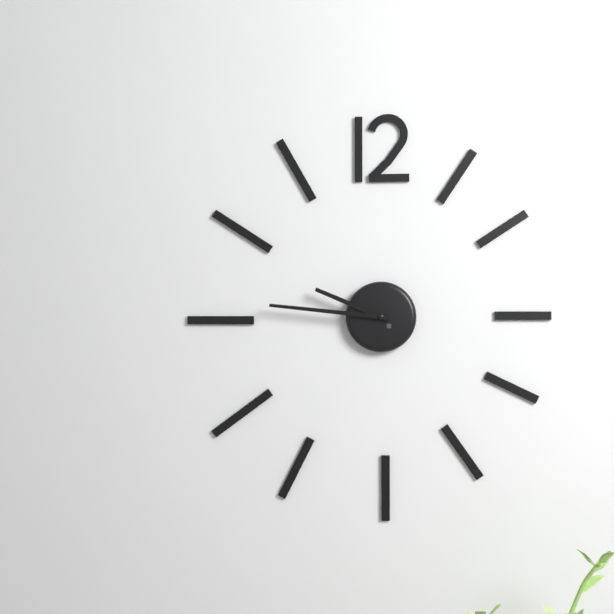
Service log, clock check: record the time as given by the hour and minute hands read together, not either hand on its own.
9:46
